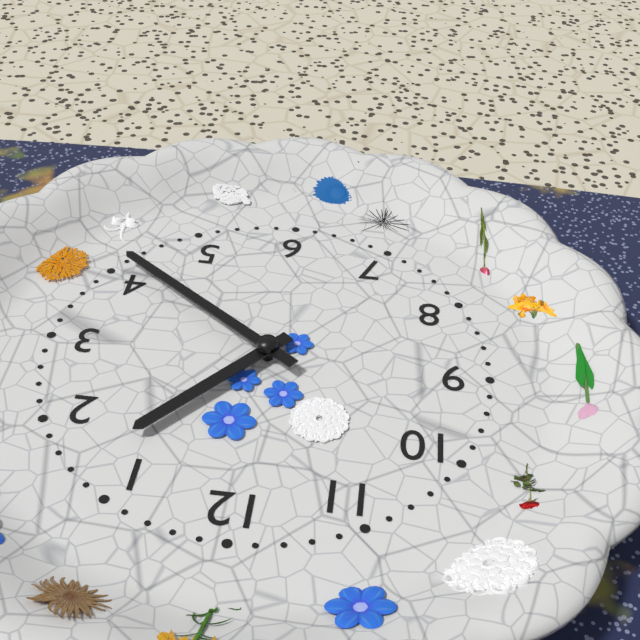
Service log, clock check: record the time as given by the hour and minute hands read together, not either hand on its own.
1:21
